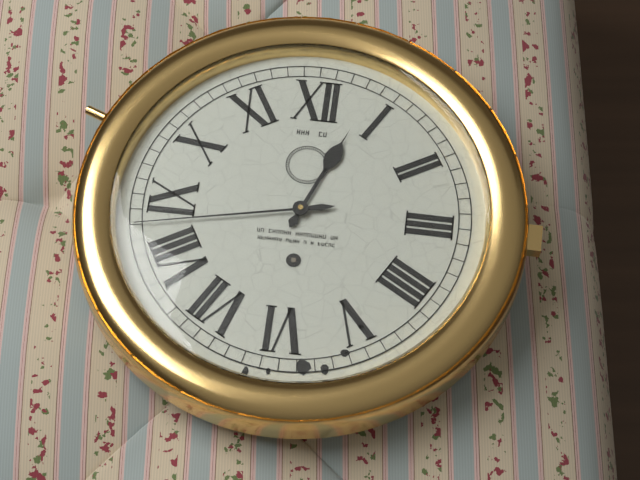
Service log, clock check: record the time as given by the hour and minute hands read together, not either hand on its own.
12:43
